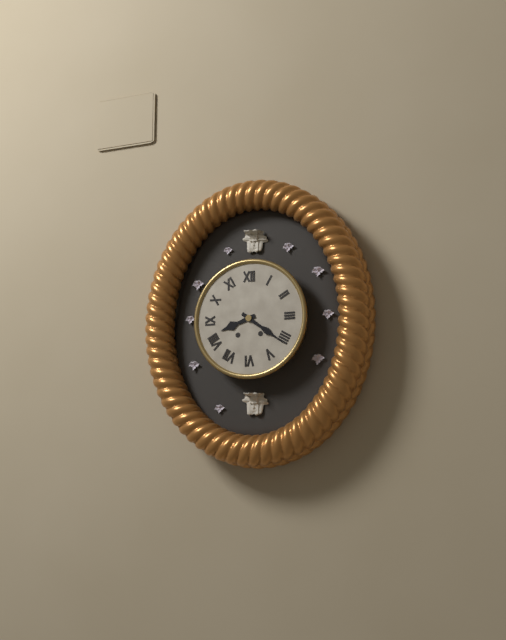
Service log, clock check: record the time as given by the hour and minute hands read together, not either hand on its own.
8:21
